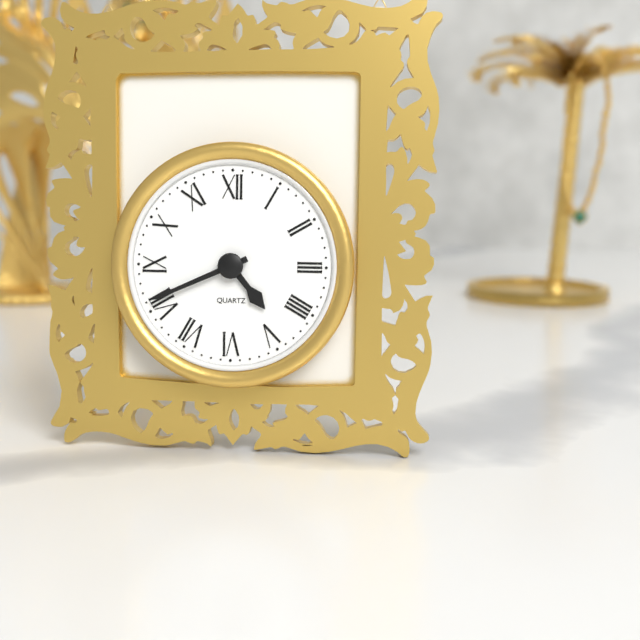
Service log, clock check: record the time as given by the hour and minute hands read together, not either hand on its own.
4:41
